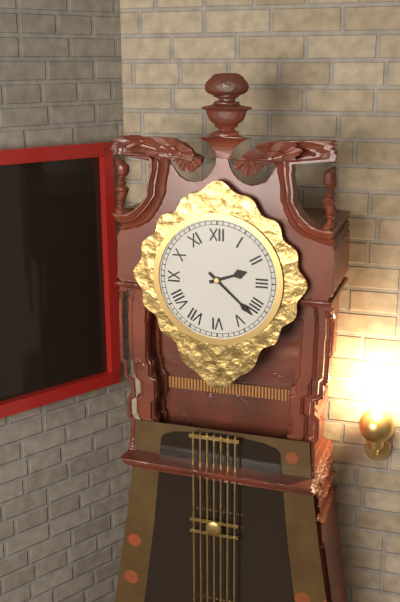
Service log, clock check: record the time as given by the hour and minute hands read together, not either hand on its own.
2:22
